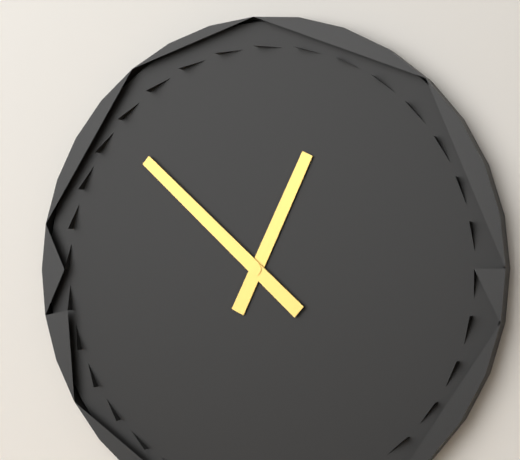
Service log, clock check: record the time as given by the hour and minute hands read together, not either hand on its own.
12:52
